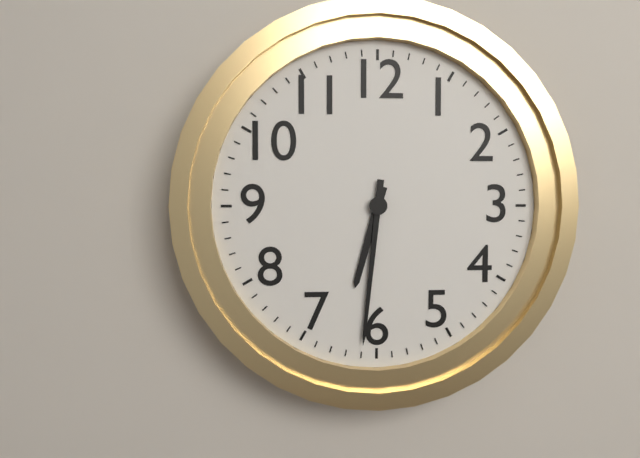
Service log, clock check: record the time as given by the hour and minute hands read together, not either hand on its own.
6:31
